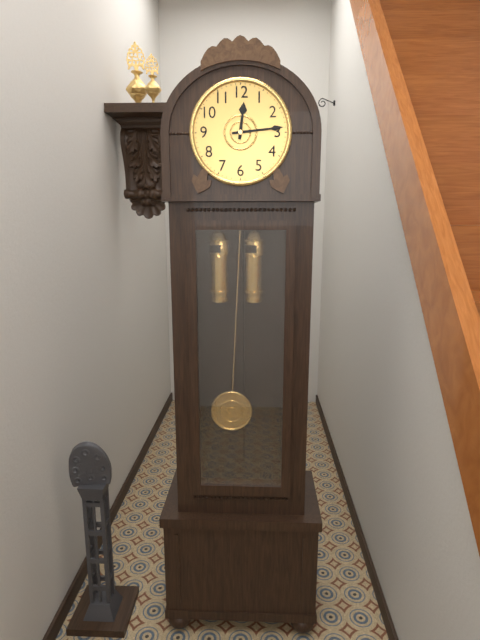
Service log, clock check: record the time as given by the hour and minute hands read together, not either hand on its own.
12:14
